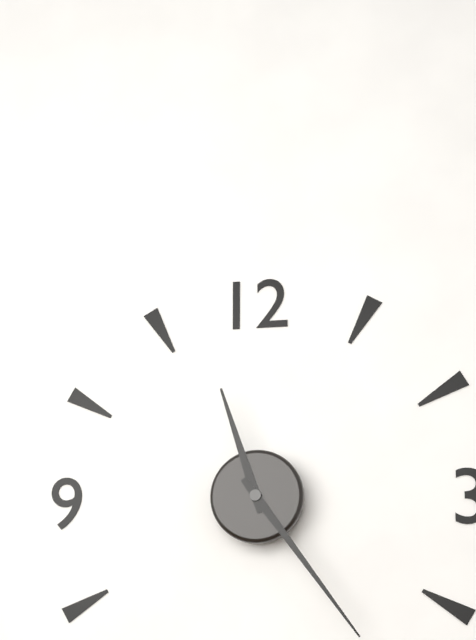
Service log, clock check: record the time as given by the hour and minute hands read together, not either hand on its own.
11:24
